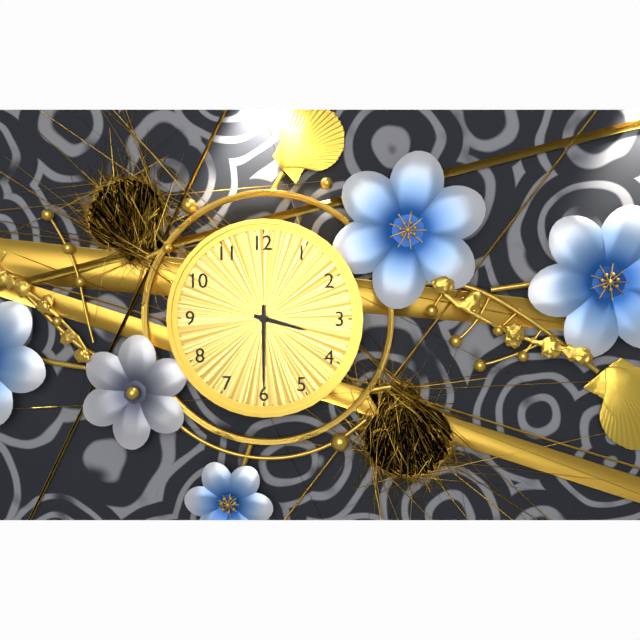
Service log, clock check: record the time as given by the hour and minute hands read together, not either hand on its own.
3:30
